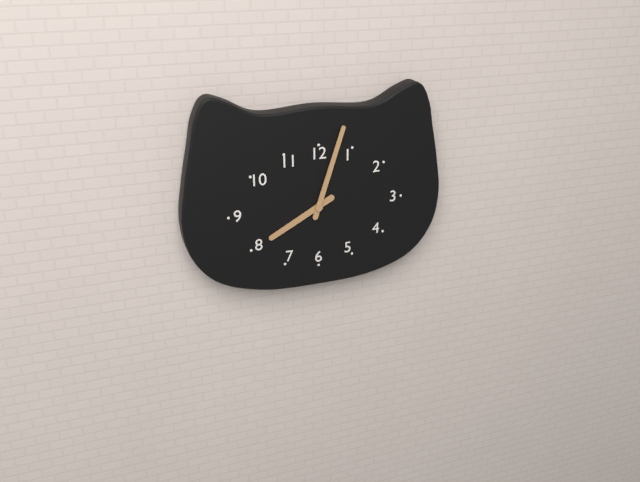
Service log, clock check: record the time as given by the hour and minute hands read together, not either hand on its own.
8:03
